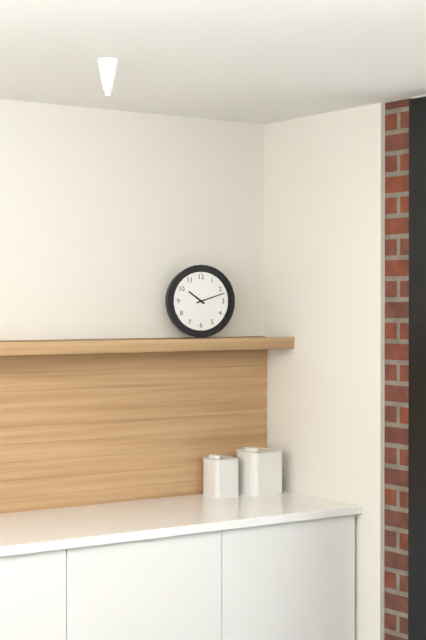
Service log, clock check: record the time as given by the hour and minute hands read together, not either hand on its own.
10:12
